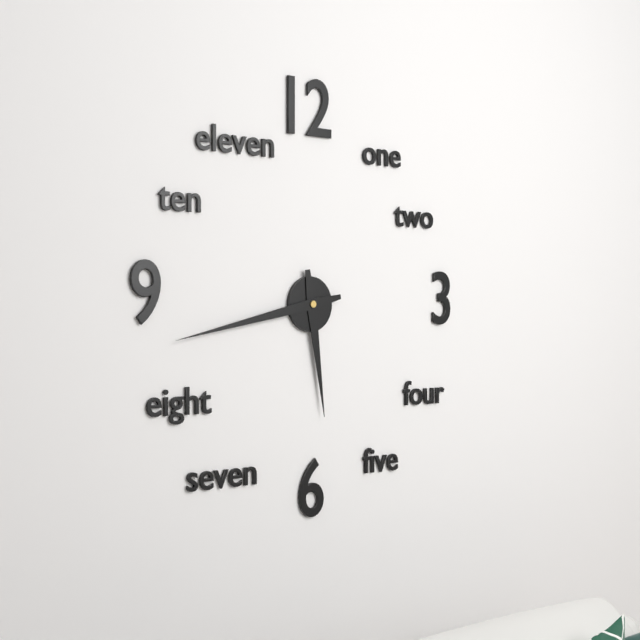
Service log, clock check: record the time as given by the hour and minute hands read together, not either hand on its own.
5:43
